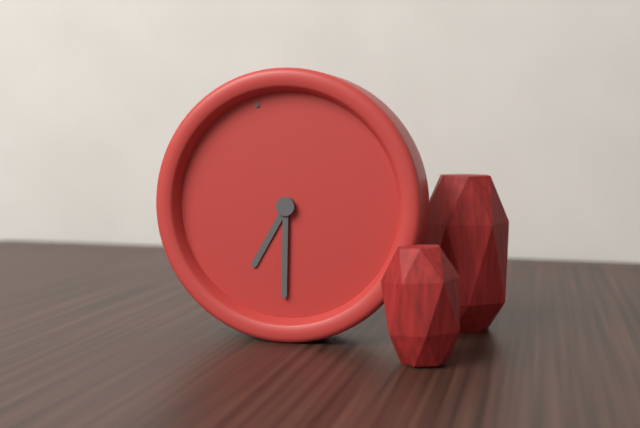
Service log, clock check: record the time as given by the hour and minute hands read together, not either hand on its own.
7:33
